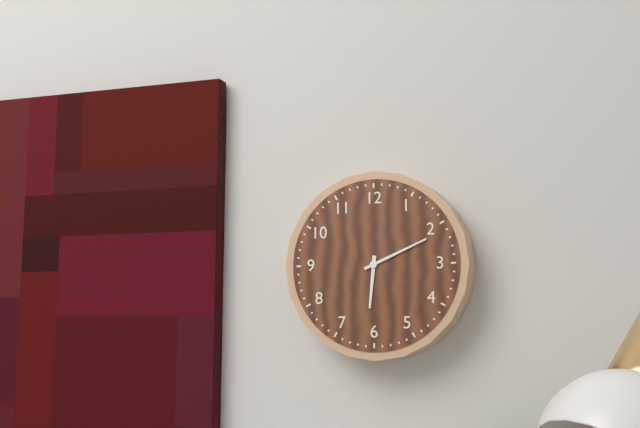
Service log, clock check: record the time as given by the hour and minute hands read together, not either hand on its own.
6:11
